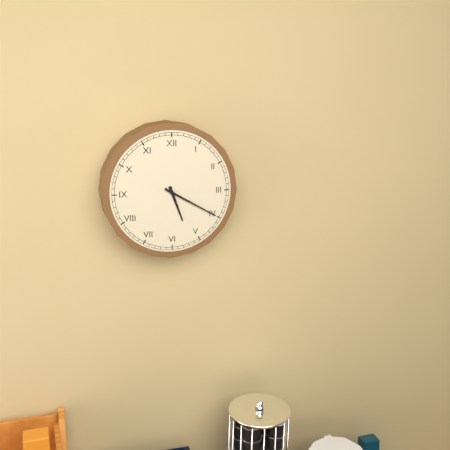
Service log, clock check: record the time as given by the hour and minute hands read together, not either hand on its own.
5:20
